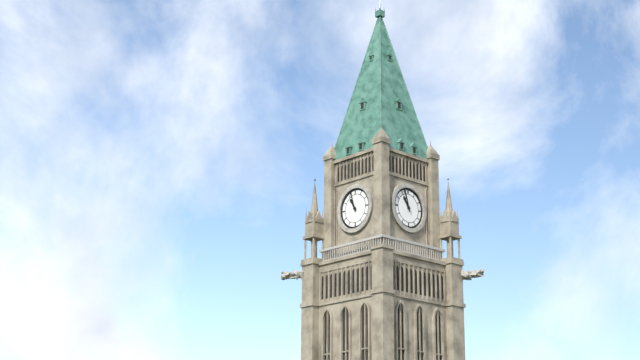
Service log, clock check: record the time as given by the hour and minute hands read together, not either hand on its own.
10:57
